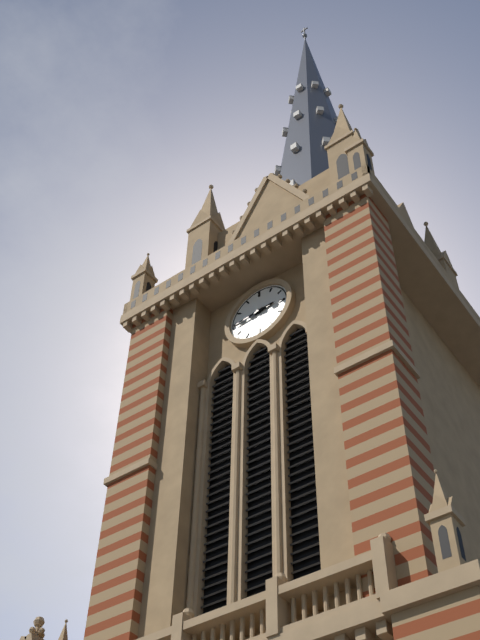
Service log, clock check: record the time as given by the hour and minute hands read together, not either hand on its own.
2:44
